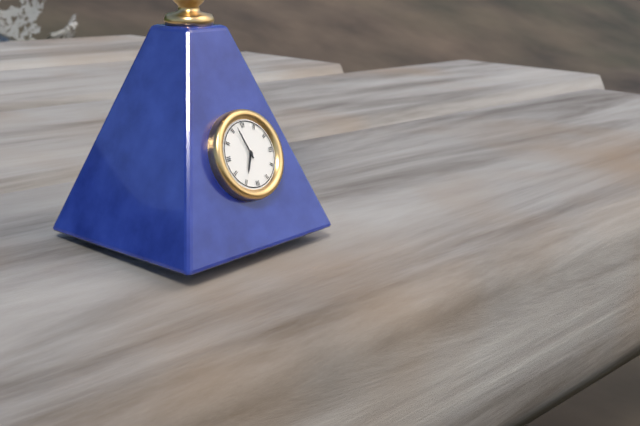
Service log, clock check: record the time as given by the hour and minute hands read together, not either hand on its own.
6:57
